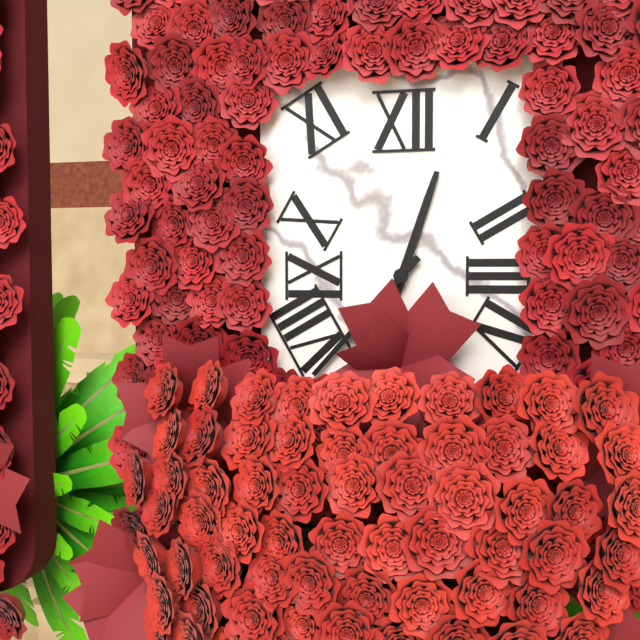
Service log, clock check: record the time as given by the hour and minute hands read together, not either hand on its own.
12:37
